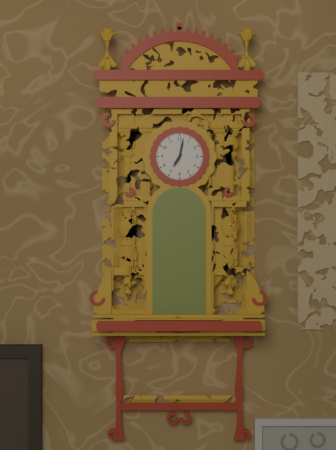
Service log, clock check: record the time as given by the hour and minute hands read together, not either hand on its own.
7:02
